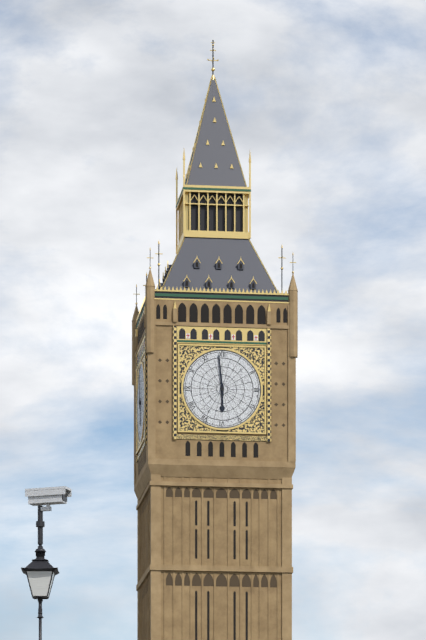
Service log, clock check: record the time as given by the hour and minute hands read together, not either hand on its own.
5:59
